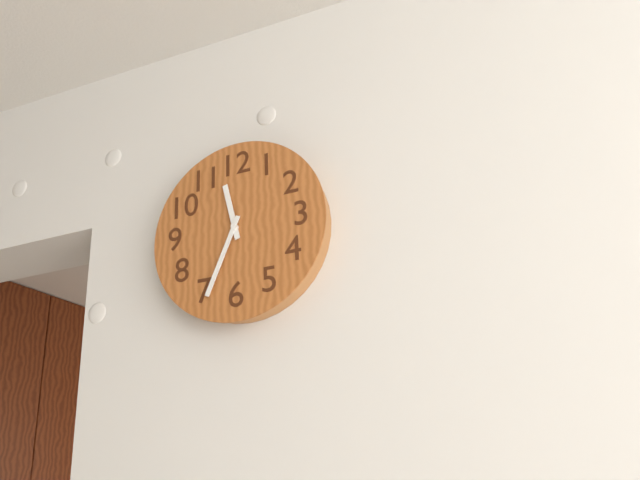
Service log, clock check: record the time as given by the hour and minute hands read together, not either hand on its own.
11:34
